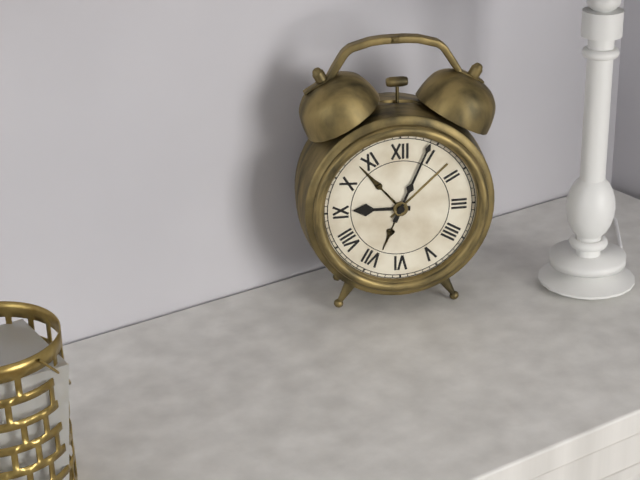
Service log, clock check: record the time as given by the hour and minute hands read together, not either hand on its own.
9:04
